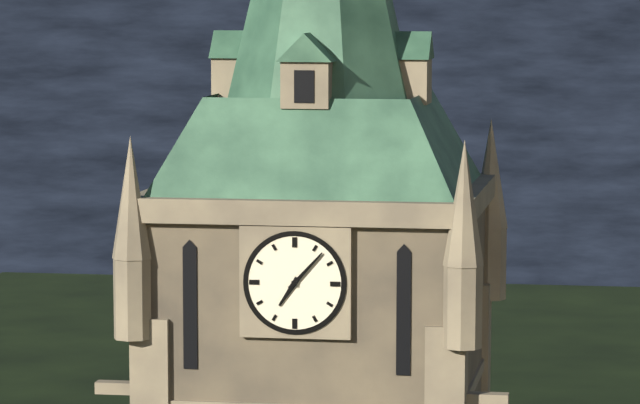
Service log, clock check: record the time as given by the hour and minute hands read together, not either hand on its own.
7:07
